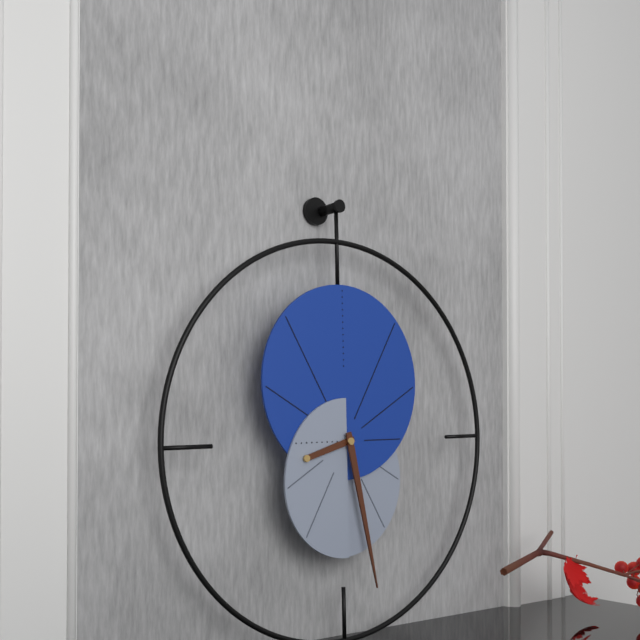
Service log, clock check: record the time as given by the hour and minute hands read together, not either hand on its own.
8:28
